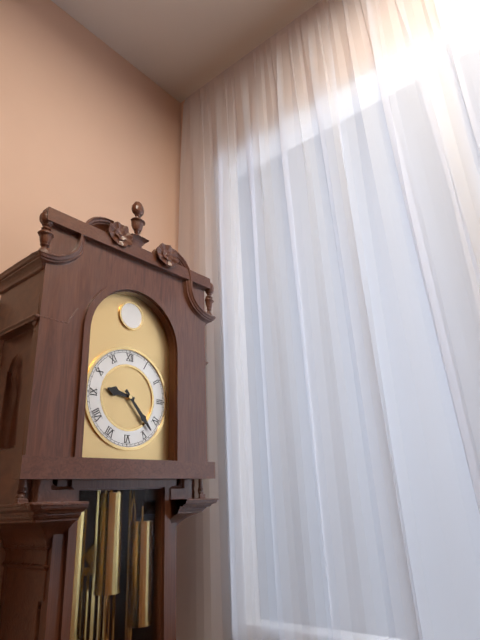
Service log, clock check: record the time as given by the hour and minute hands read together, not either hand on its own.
9:23
